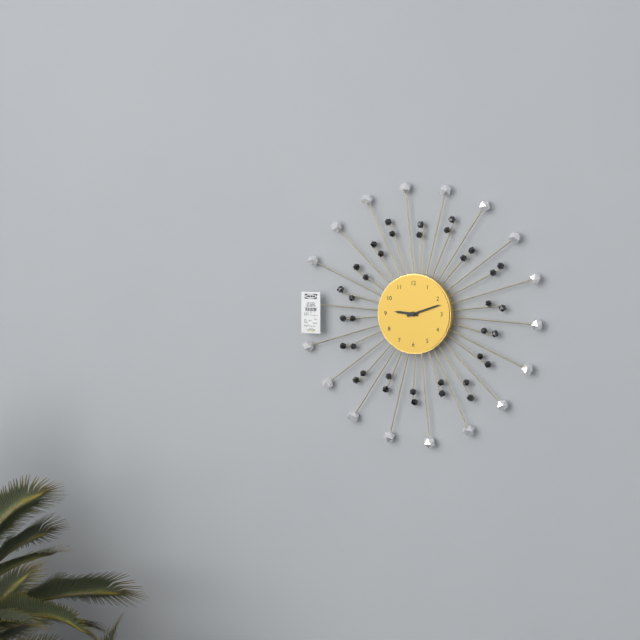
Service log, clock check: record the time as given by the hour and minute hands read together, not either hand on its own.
9:12
